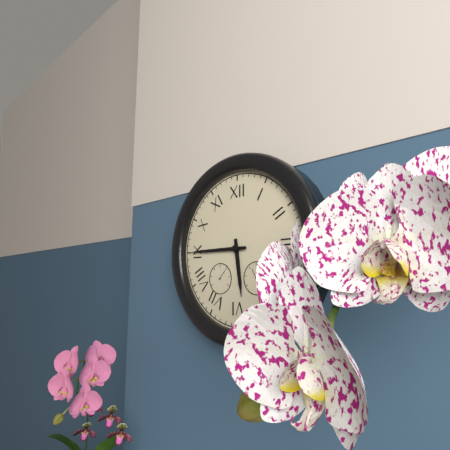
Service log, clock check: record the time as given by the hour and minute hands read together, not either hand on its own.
5:45
